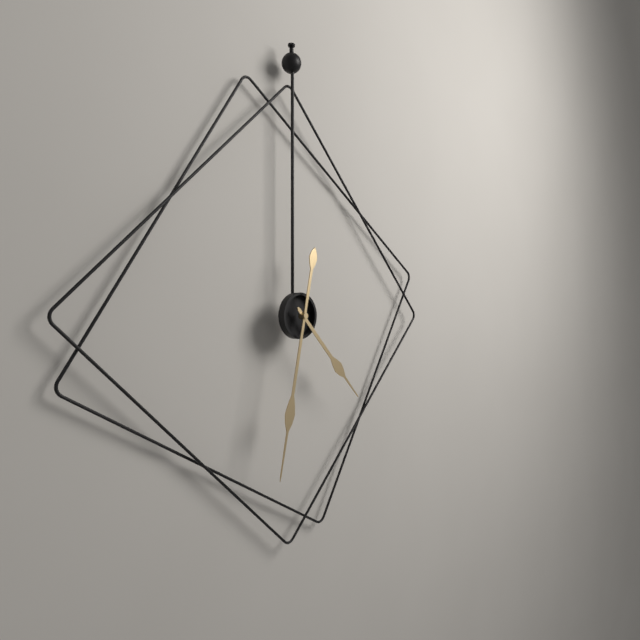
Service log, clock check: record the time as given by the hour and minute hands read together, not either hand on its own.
4:32
